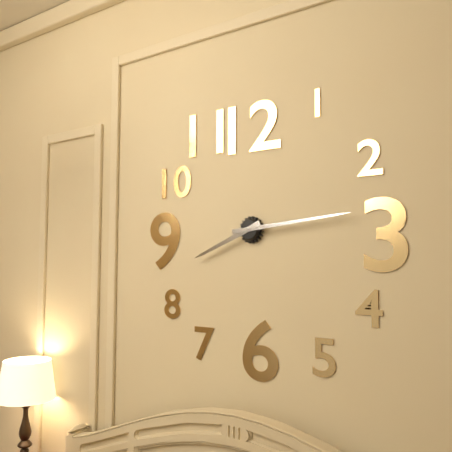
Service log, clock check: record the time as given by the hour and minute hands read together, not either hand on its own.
8:14
